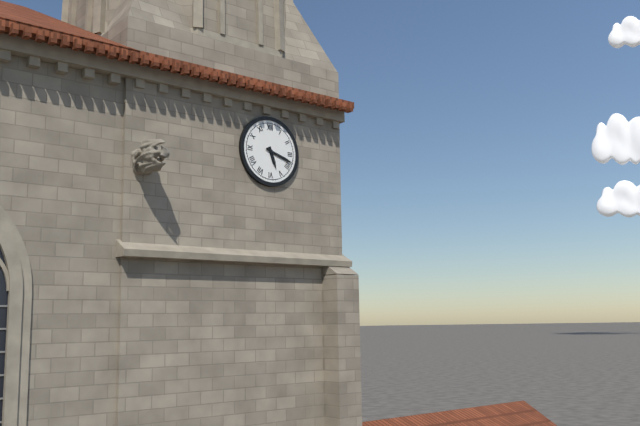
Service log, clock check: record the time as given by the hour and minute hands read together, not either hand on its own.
5:18
